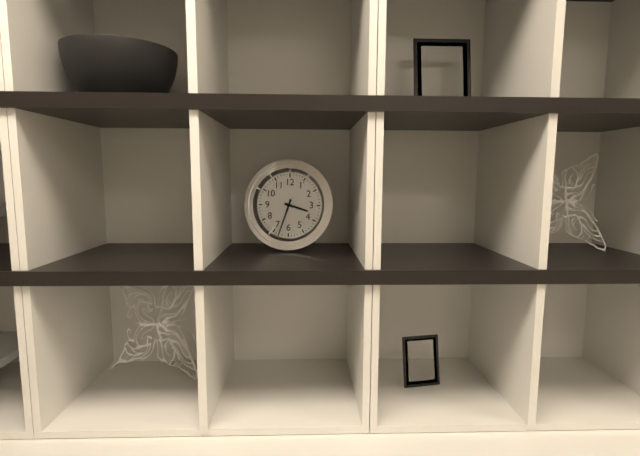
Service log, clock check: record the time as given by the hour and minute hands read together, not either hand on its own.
3:33
